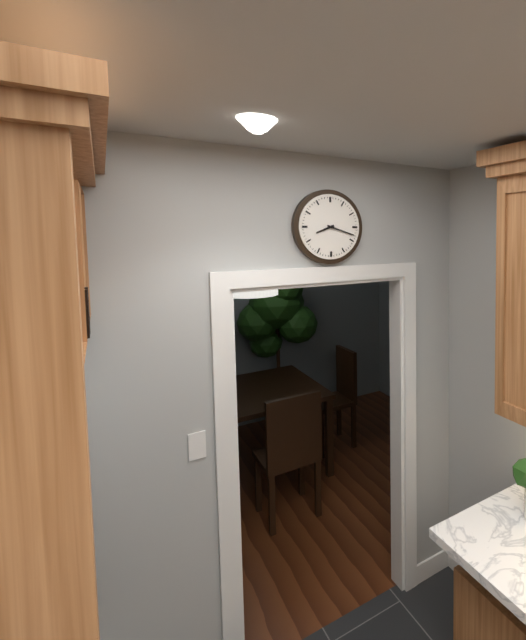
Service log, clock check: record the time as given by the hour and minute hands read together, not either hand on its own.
8:18
